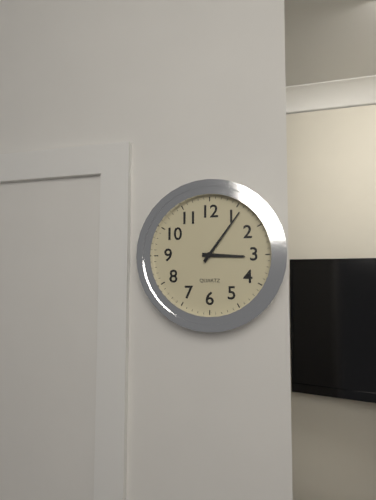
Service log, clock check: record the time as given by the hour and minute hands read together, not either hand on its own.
3:06
